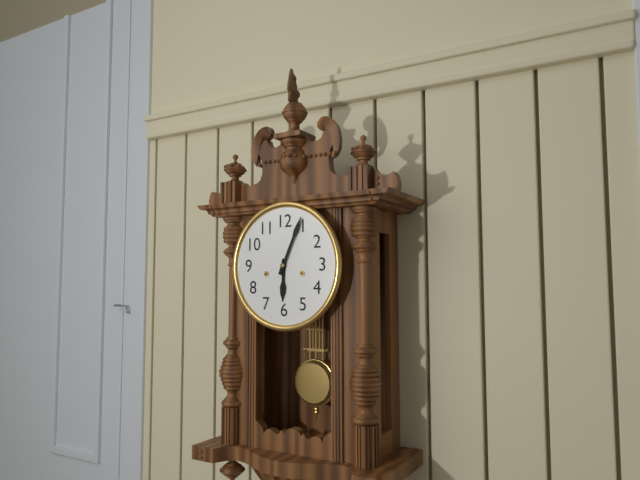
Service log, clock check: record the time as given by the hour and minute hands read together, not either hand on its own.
6:04
